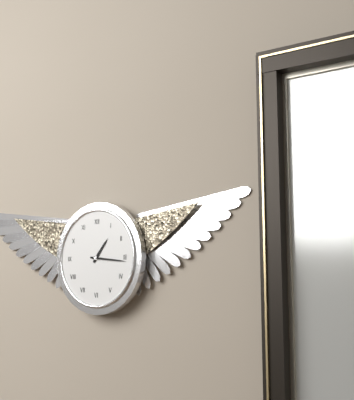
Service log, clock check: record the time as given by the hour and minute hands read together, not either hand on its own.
1:16
